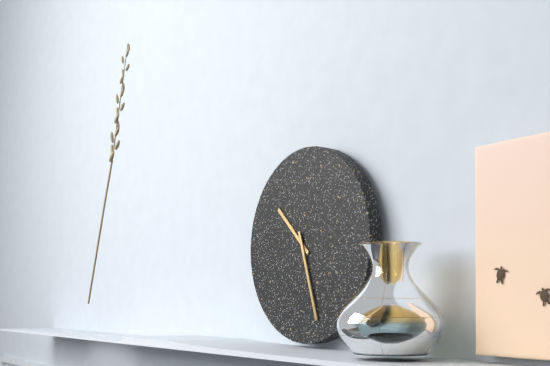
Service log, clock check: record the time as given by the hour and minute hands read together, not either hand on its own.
10:27
